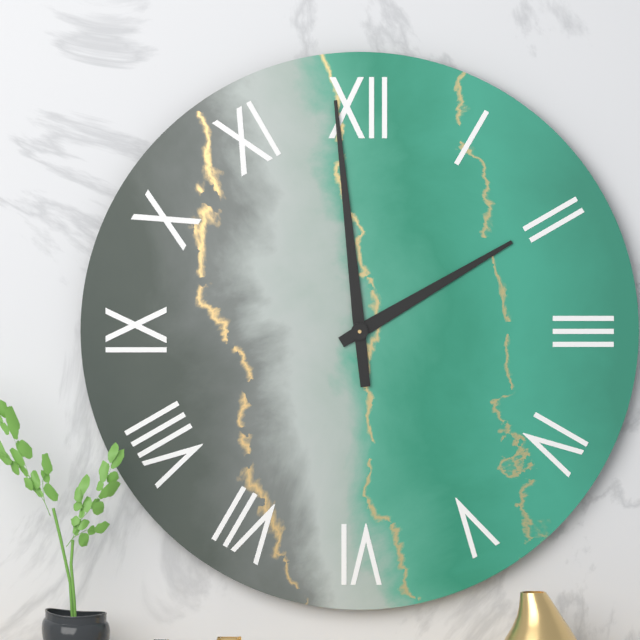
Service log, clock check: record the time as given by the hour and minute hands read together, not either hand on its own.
1:59
